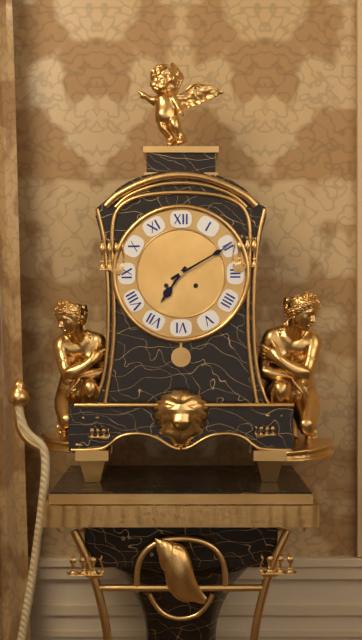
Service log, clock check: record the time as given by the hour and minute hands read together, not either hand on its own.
7:10
